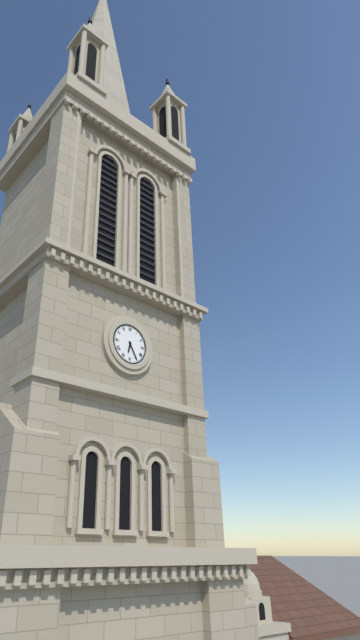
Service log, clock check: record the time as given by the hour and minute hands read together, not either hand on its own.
6:25
